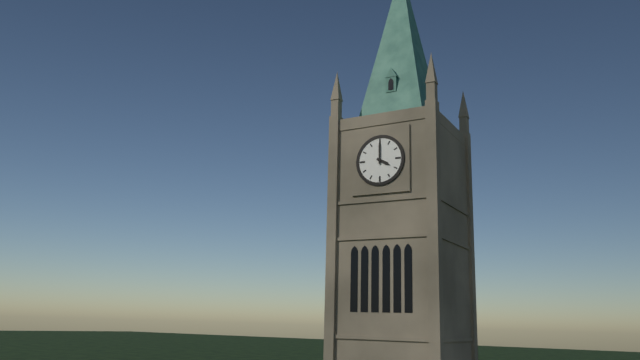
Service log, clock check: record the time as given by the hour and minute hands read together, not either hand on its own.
4:00
